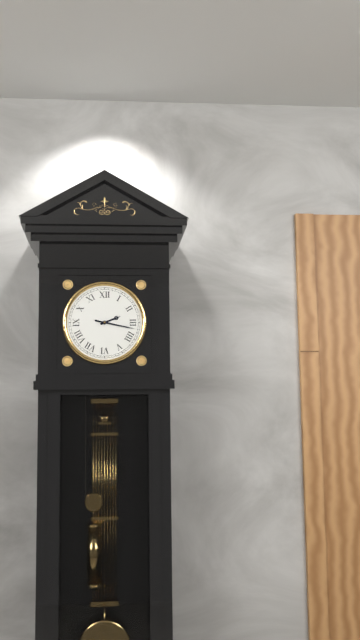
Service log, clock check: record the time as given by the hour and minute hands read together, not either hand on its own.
2:17
